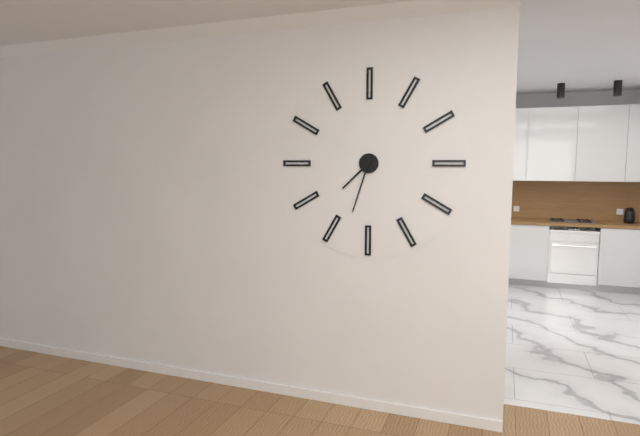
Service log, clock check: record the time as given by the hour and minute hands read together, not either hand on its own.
7:33
